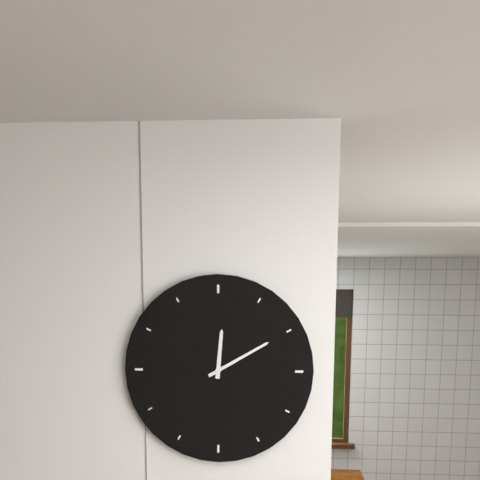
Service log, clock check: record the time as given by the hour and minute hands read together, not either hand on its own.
12:10
